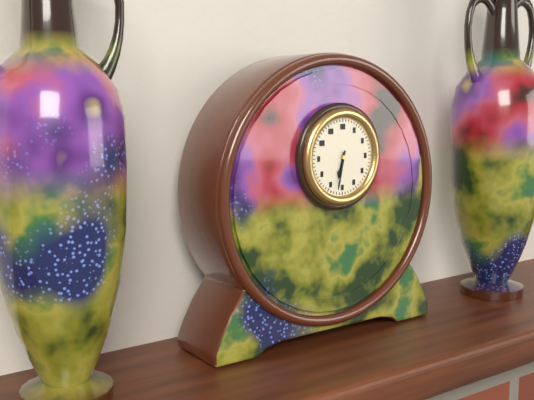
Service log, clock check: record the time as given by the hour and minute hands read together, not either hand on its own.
6:32
